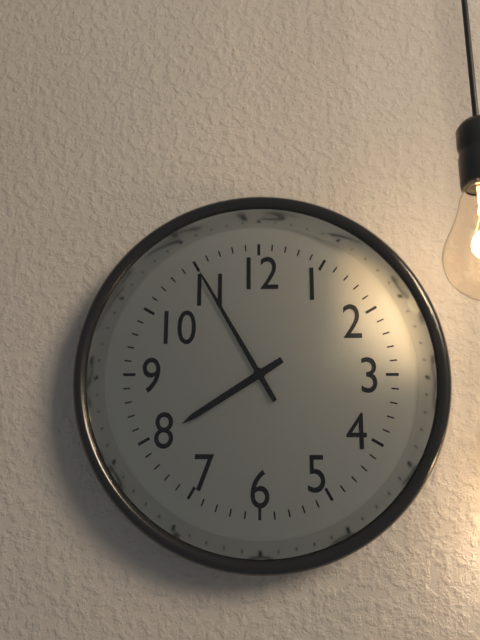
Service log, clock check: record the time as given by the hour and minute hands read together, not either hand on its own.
7:55
